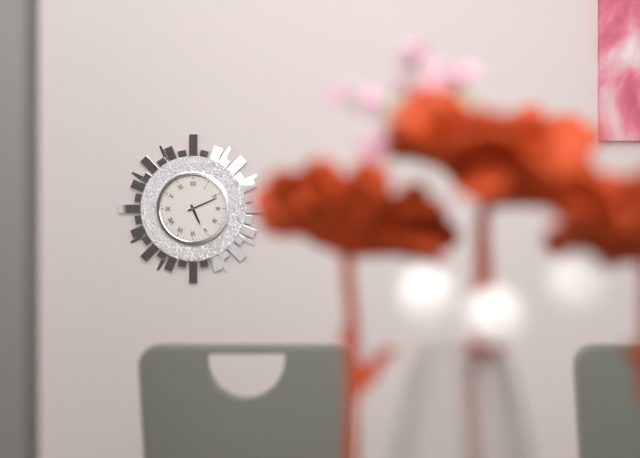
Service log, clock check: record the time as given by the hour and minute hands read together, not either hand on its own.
5:11
